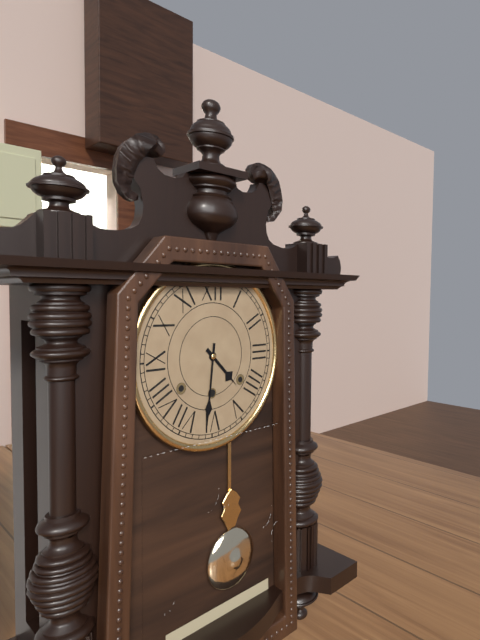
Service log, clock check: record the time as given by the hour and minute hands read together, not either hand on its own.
4:31
